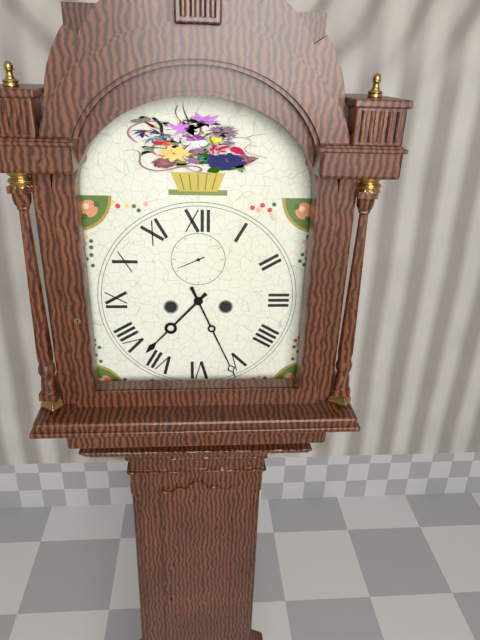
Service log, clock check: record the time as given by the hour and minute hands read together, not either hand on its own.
7:26
